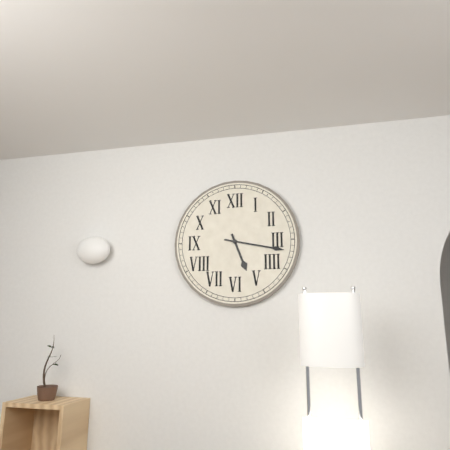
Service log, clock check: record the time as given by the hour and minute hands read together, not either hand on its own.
5:17
